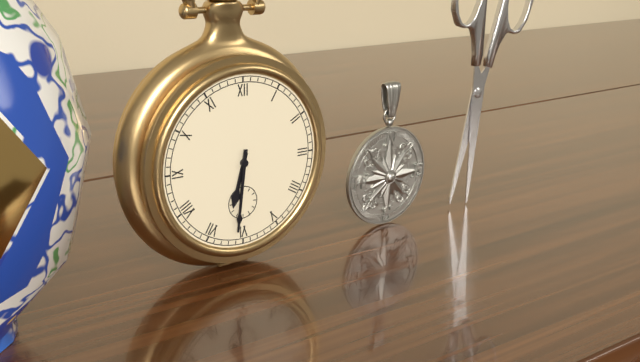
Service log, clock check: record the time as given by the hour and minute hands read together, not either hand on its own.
6:31
